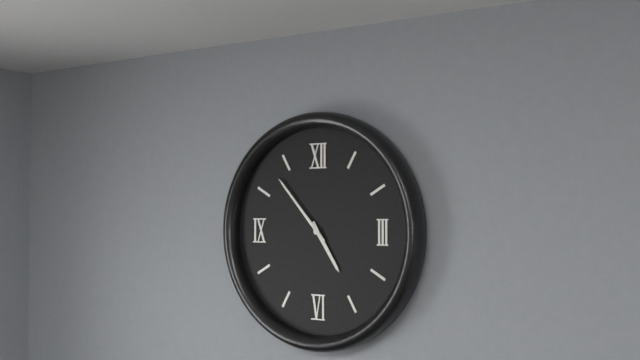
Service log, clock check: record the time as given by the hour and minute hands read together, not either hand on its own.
4:53
